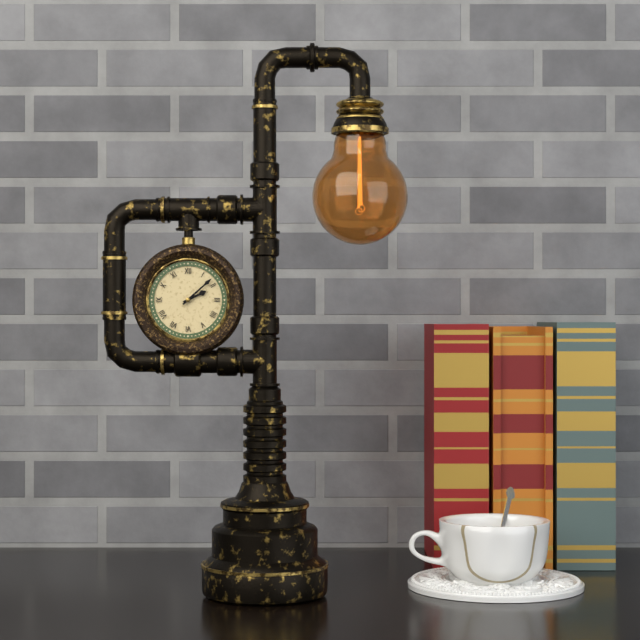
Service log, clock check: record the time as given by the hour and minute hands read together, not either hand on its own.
2:08
